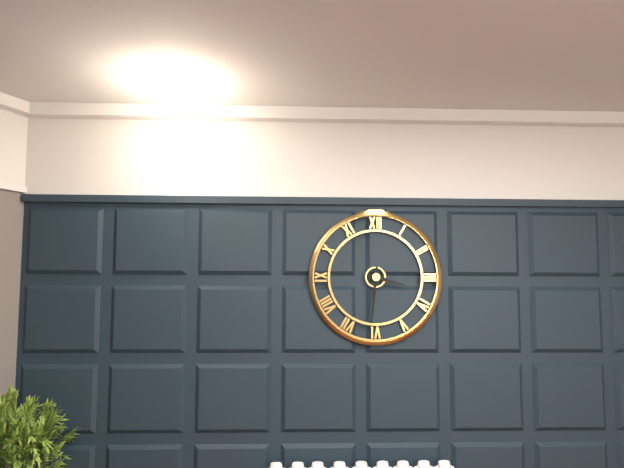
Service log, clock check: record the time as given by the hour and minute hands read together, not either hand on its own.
3:31
